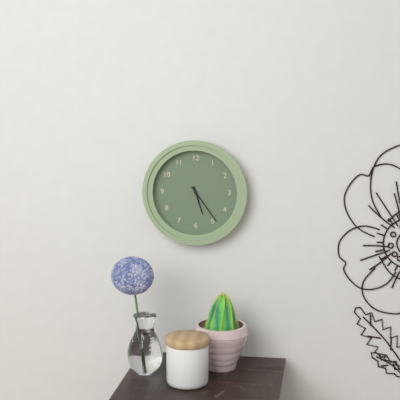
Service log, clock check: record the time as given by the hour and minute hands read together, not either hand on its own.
5:24
